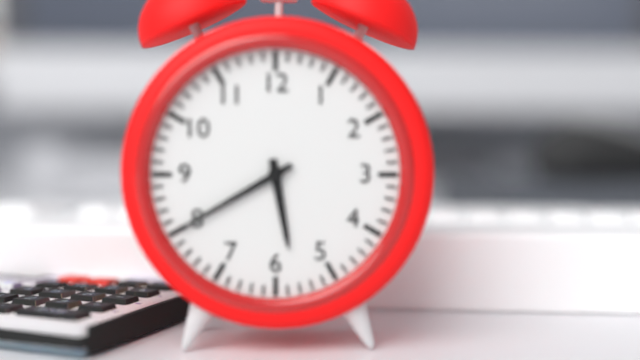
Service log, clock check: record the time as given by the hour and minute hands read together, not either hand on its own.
5:40
